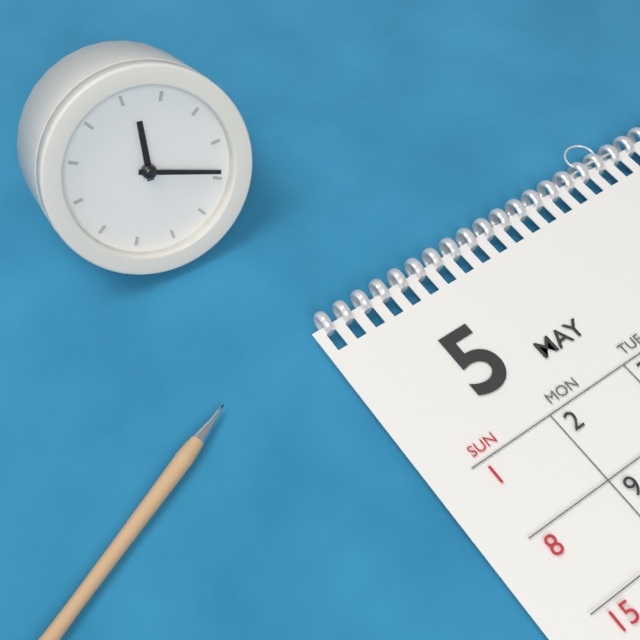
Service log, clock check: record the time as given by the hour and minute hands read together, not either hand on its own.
12:19
